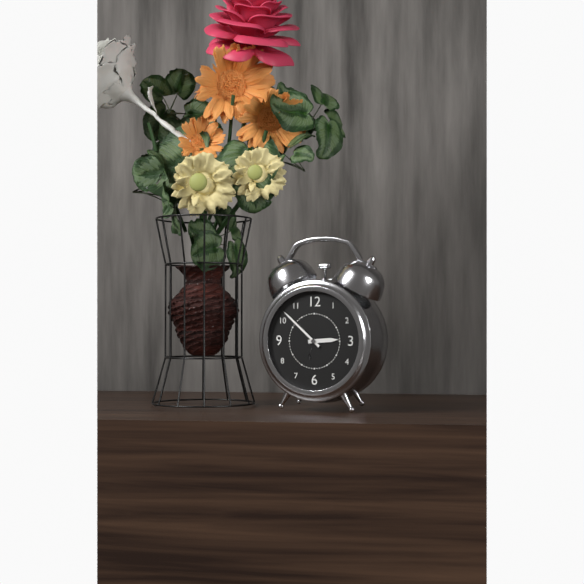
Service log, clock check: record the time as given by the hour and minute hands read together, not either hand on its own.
2:52
